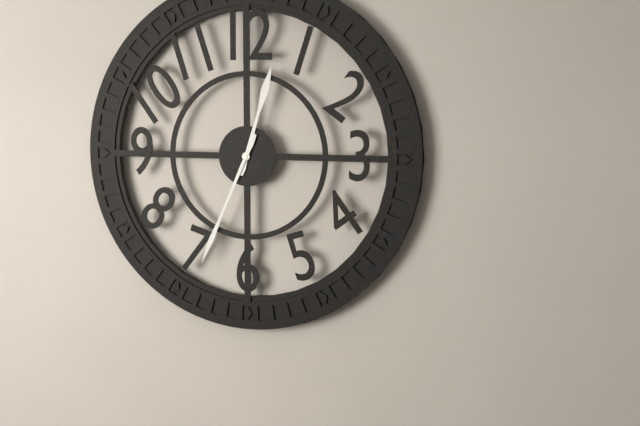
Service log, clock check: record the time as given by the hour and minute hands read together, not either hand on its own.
12:34
